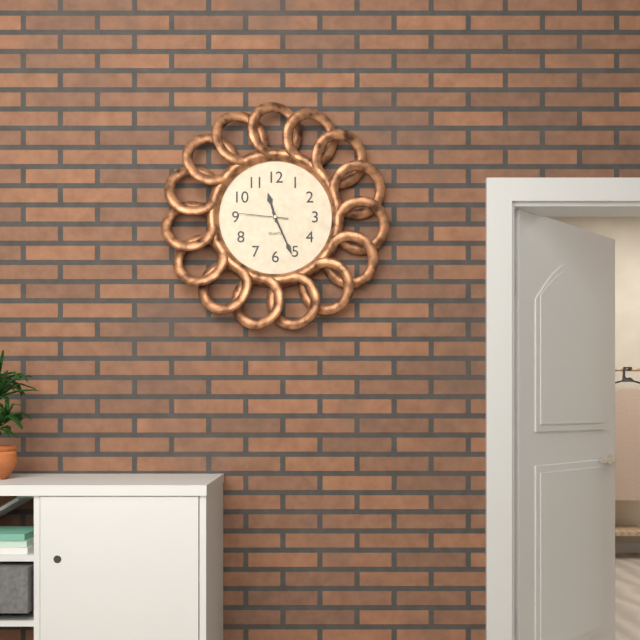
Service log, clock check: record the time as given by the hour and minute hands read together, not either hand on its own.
11:26
